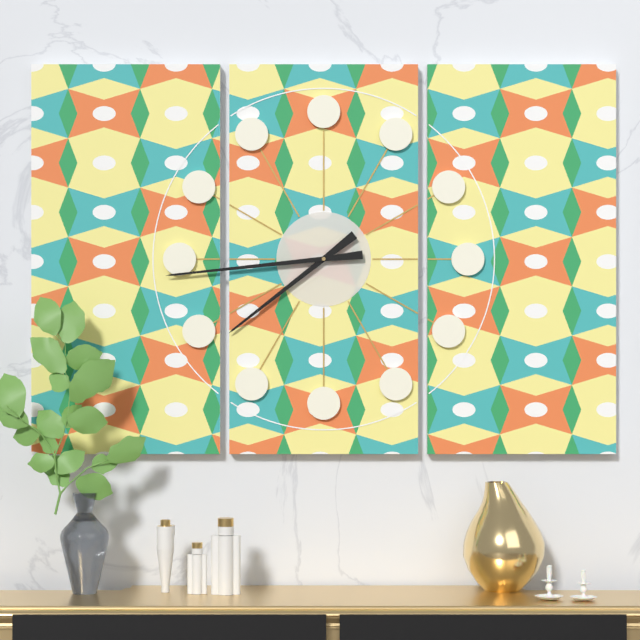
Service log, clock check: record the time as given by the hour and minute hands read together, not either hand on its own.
7:44
